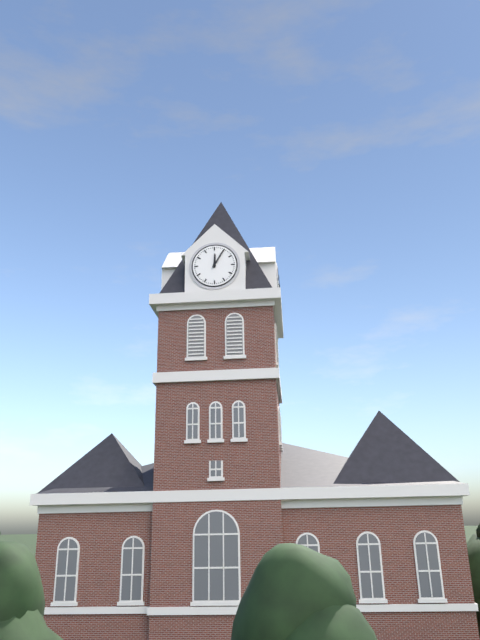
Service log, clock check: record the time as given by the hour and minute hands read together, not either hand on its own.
12:05
